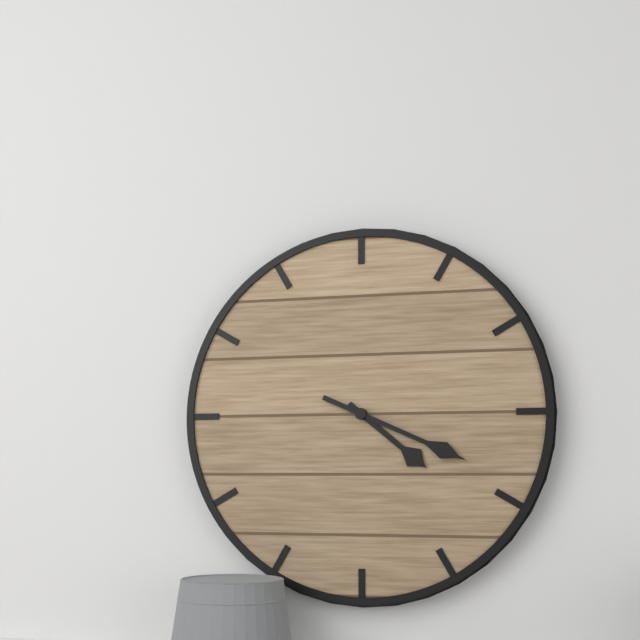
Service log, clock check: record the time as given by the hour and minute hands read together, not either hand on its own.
4:19
